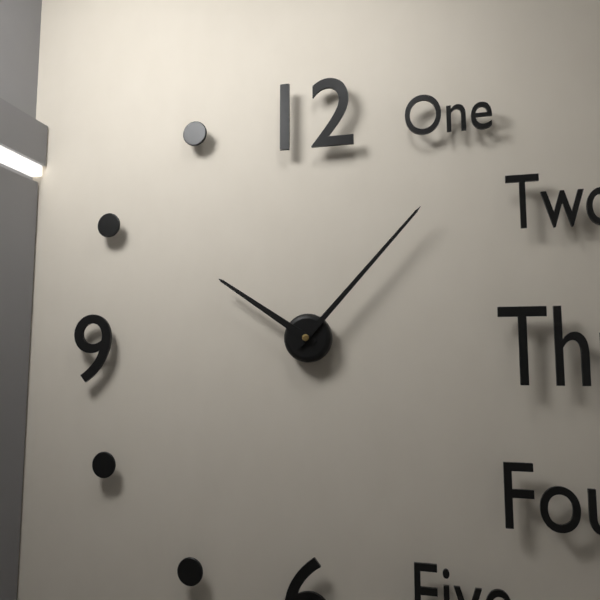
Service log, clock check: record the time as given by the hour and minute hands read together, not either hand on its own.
10:07
